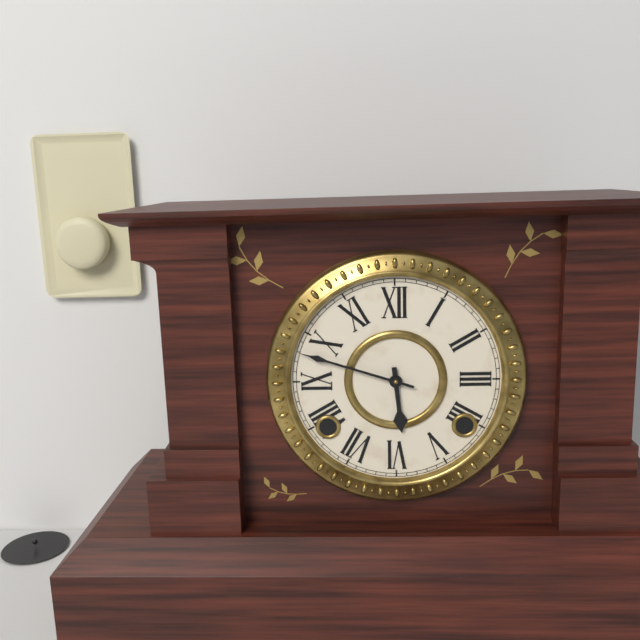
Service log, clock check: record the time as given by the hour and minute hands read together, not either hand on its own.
5:48
